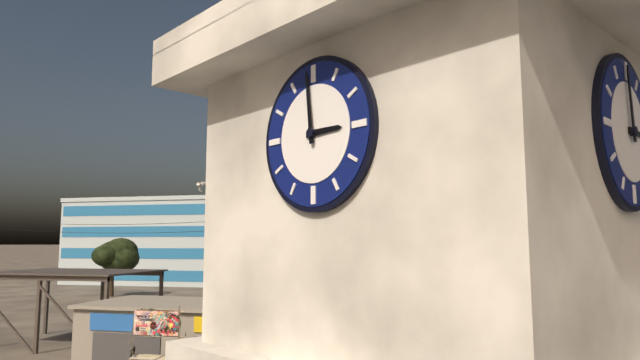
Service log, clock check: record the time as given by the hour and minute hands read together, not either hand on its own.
2:59
